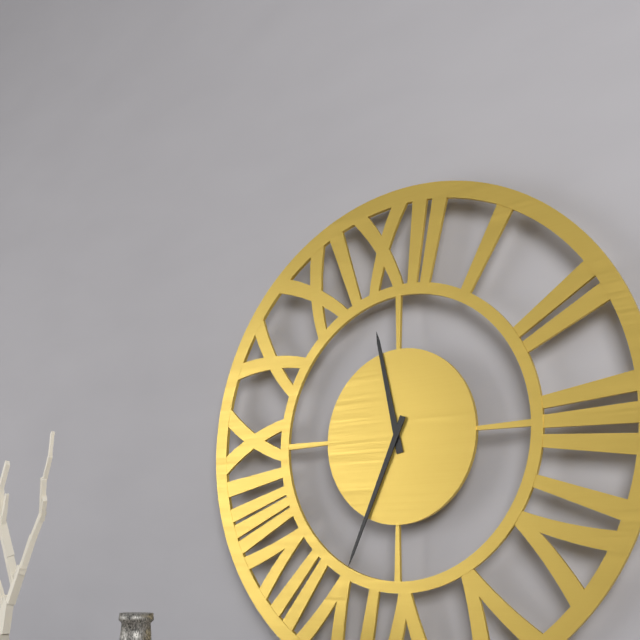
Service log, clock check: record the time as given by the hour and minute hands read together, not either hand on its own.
11:34
